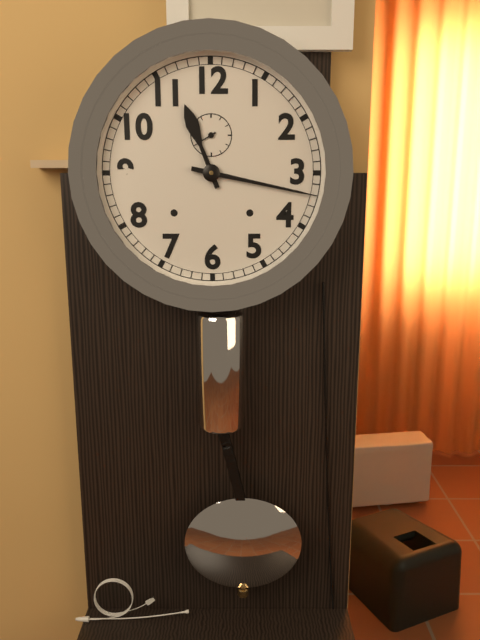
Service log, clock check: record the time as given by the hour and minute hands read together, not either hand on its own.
11:17
